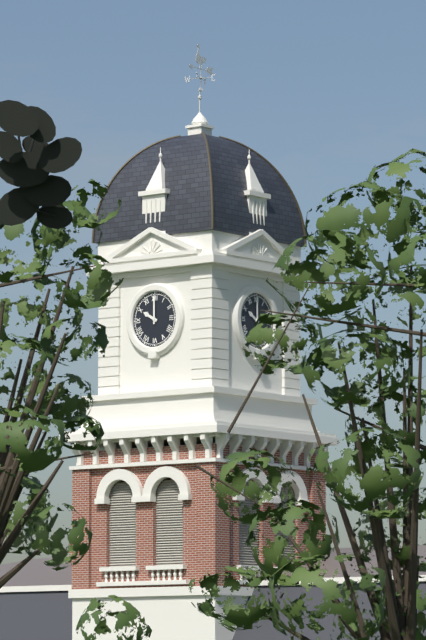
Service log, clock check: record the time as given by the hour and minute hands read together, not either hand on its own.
10:00
